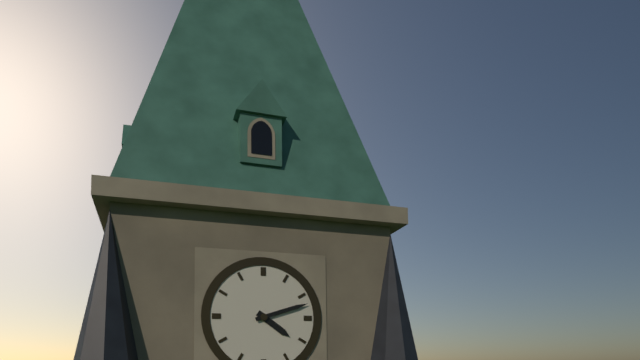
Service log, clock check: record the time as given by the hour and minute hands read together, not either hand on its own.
4:12
